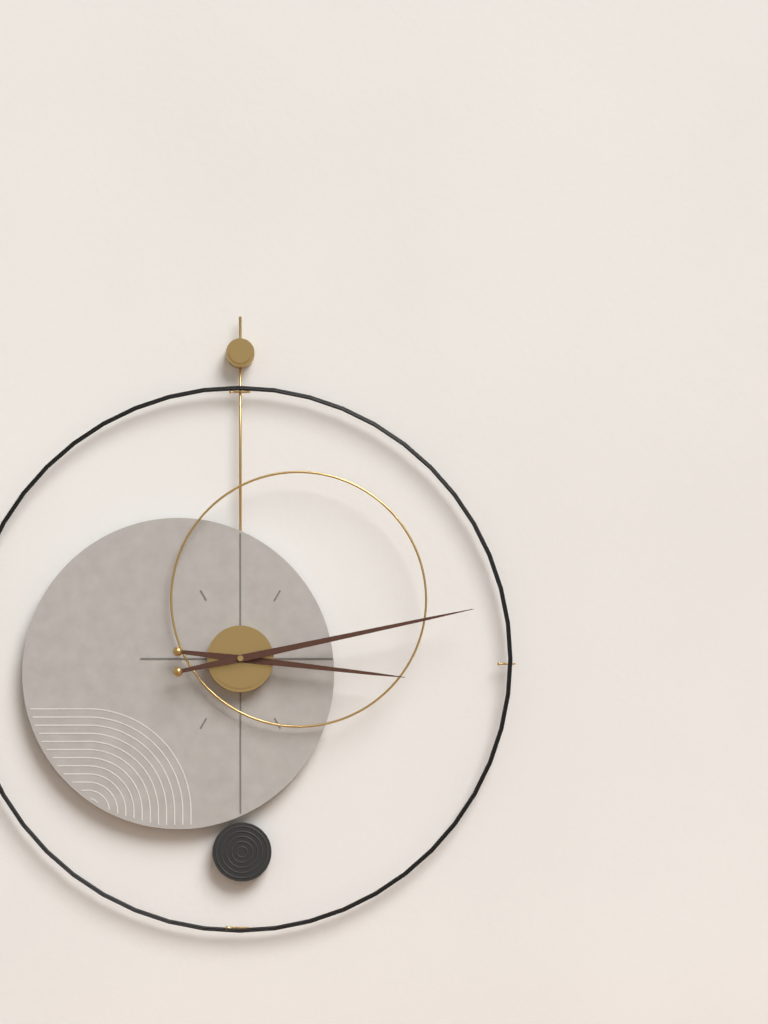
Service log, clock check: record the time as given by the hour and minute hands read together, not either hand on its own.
3:13
